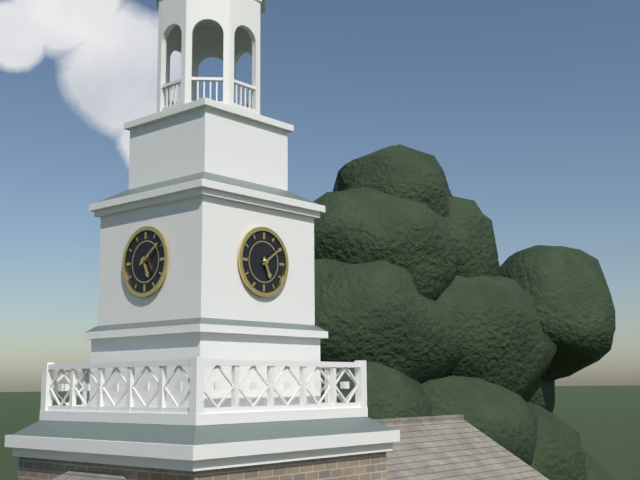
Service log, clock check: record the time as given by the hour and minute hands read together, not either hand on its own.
5:09
